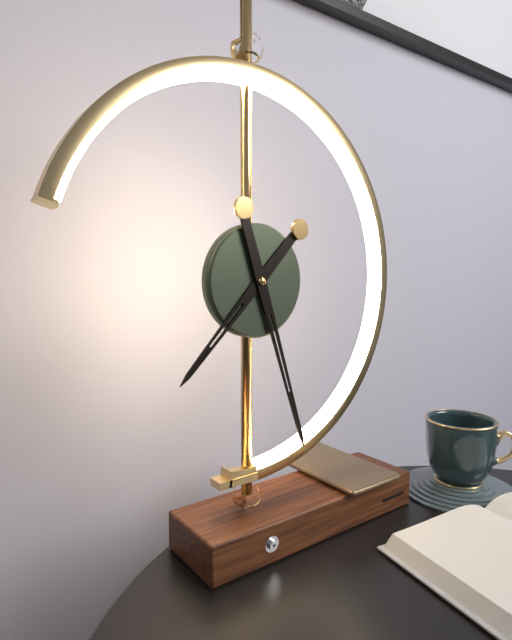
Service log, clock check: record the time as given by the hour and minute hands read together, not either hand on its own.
7:27
